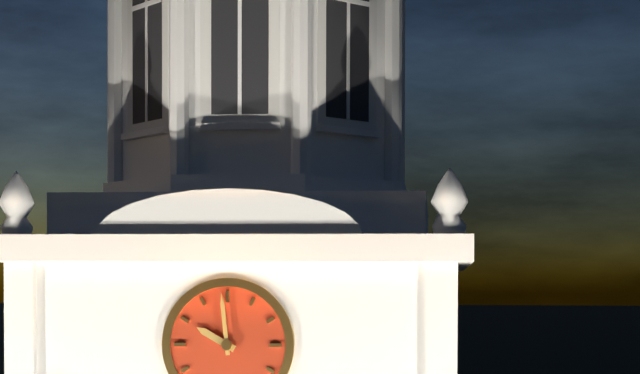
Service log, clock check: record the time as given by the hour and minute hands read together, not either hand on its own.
9:59
